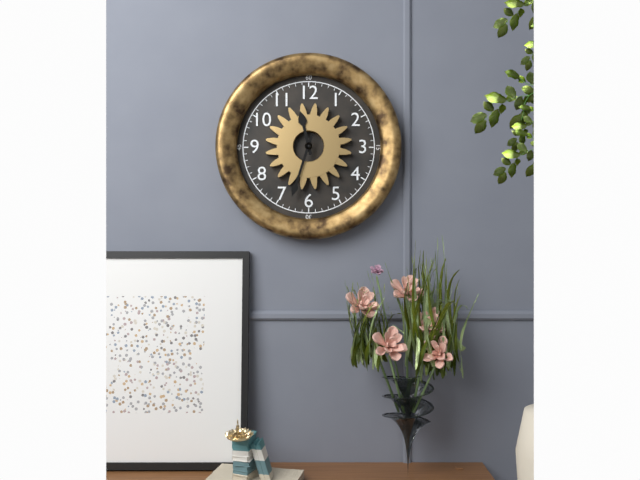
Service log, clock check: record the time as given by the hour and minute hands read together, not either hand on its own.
11:33
